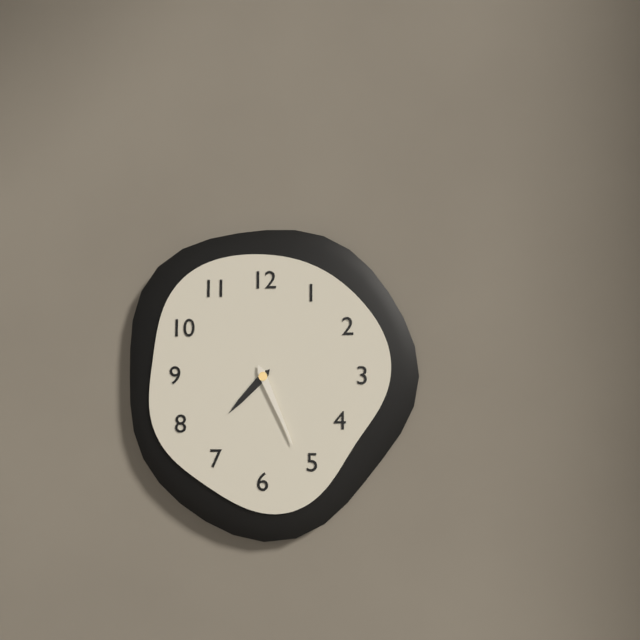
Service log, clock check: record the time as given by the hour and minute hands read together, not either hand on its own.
7:26
